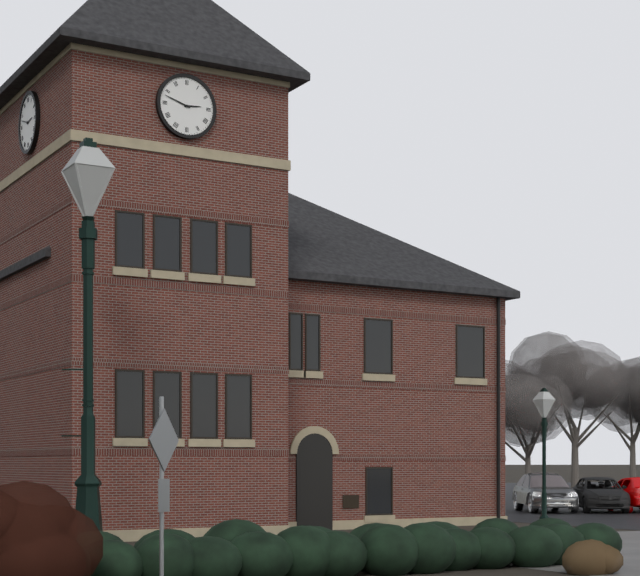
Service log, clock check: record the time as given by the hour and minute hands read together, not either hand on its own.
2:48
